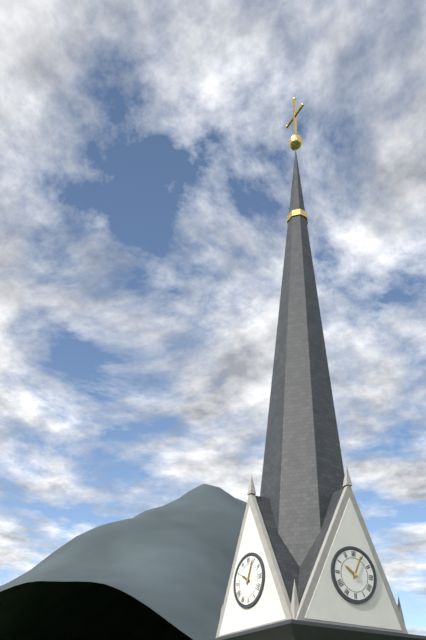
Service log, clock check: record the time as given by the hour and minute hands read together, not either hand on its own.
10:04
